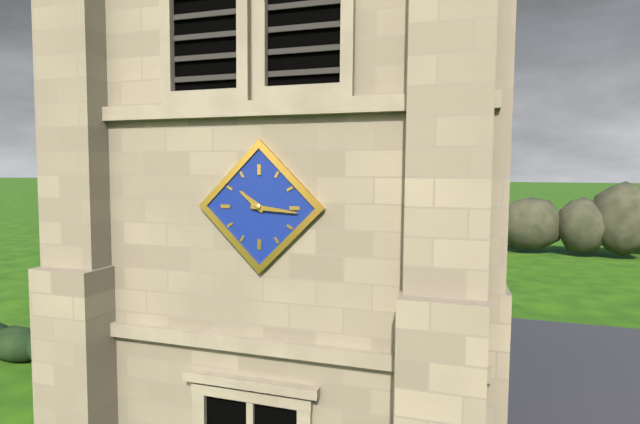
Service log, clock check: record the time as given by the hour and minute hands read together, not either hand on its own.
10:16
